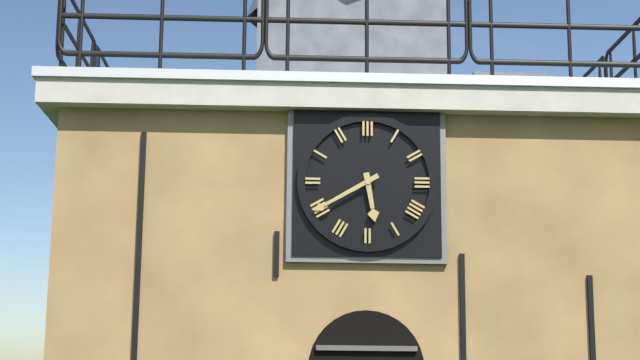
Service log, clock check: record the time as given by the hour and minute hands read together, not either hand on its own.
5:40
